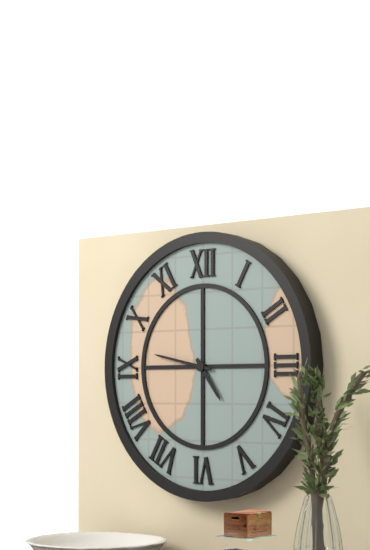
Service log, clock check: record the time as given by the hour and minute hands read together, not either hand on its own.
4:47
